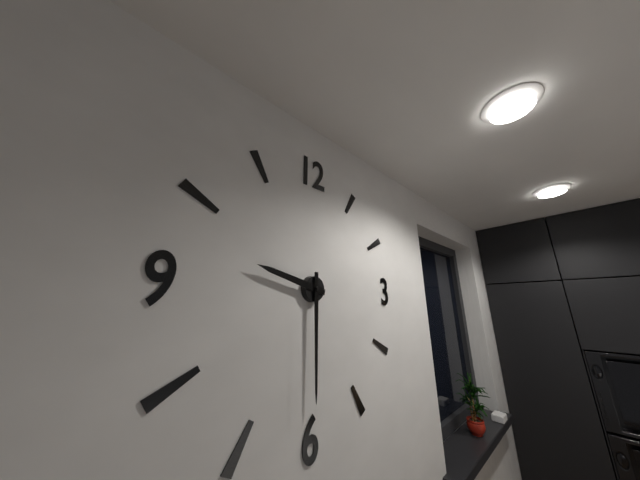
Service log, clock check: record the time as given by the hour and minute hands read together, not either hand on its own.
9:30
